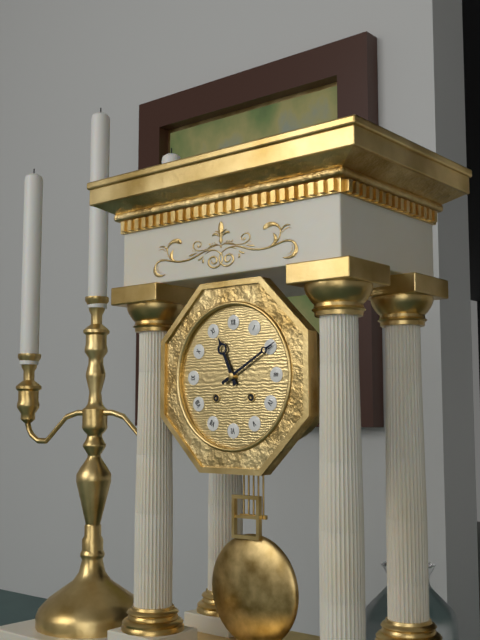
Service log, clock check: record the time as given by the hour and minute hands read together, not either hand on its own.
11:10
